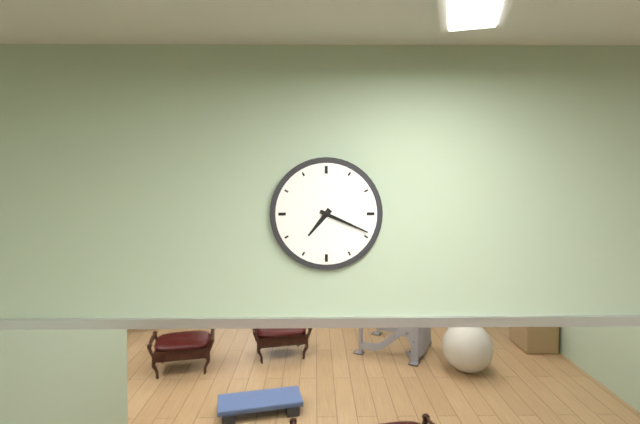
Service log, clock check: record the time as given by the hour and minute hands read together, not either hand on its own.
7:19
